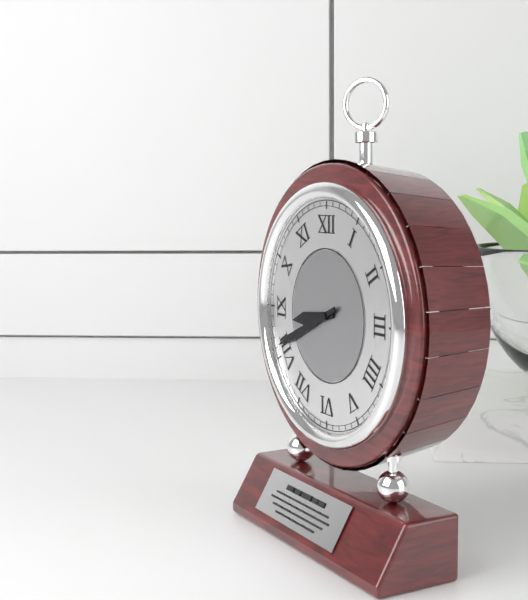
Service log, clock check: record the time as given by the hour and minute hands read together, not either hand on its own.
8:41
